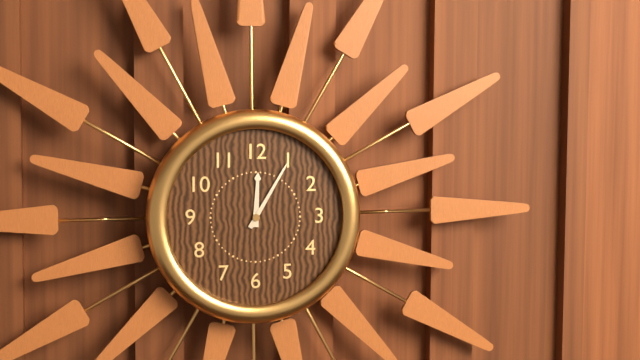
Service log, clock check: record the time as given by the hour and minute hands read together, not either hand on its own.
12:05
